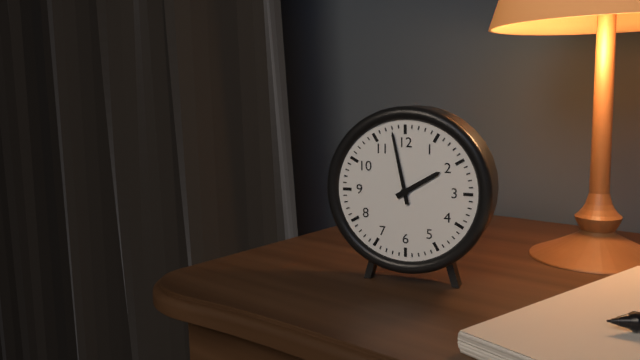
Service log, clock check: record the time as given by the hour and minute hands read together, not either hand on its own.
1:58
